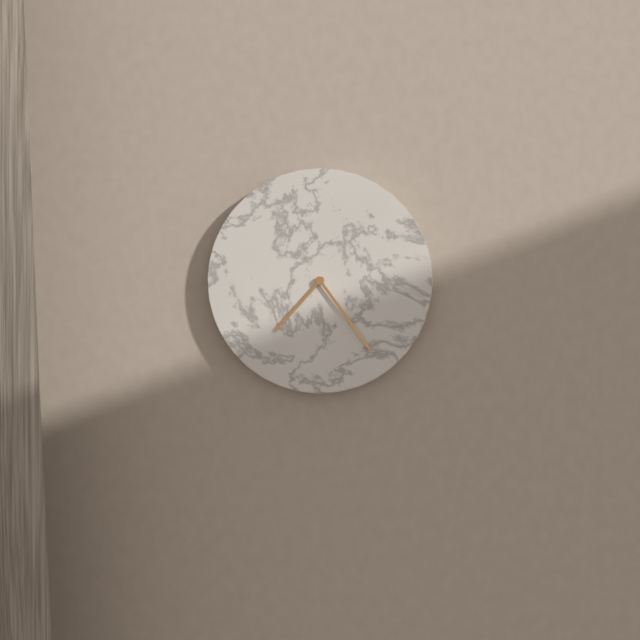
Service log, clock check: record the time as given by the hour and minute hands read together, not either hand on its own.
7:24
